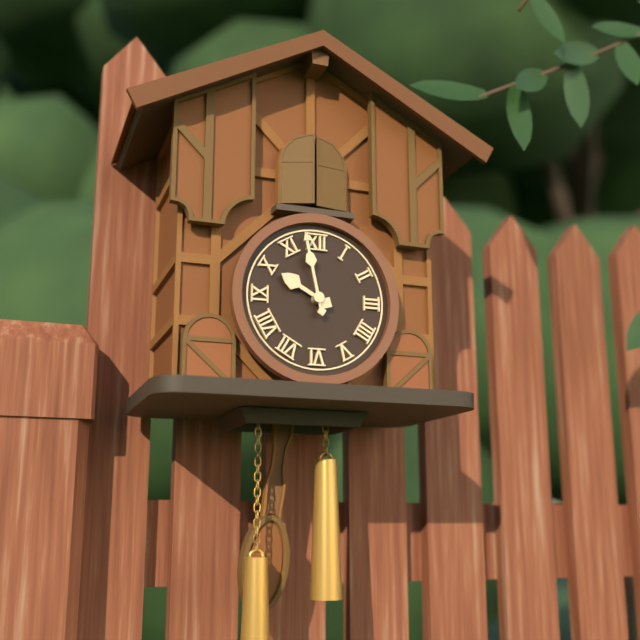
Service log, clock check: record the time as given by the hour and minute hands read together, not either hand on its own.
9:58
